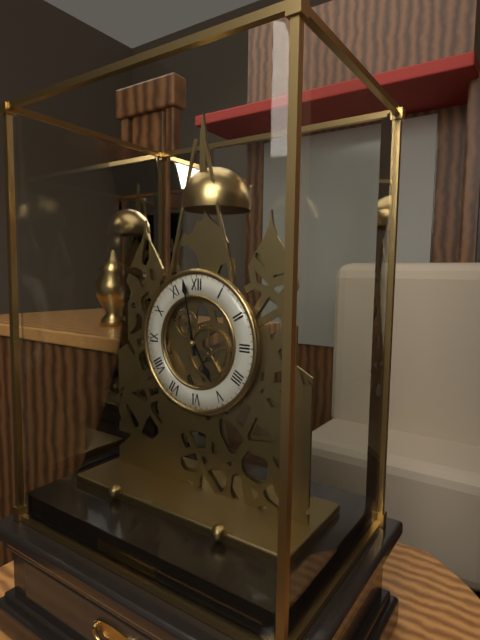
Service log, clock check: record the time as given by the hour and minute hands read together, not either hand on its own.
4:58
